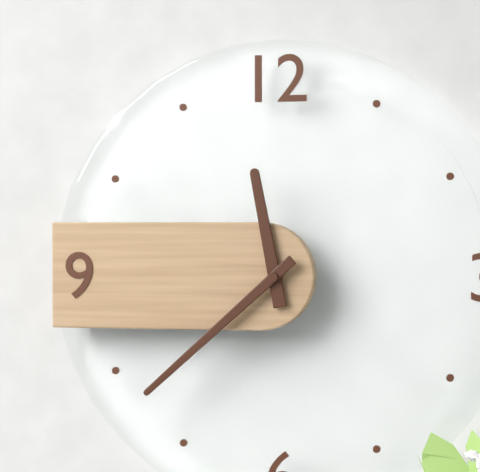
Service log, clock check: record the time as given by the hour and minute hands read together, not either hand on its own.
11:38
